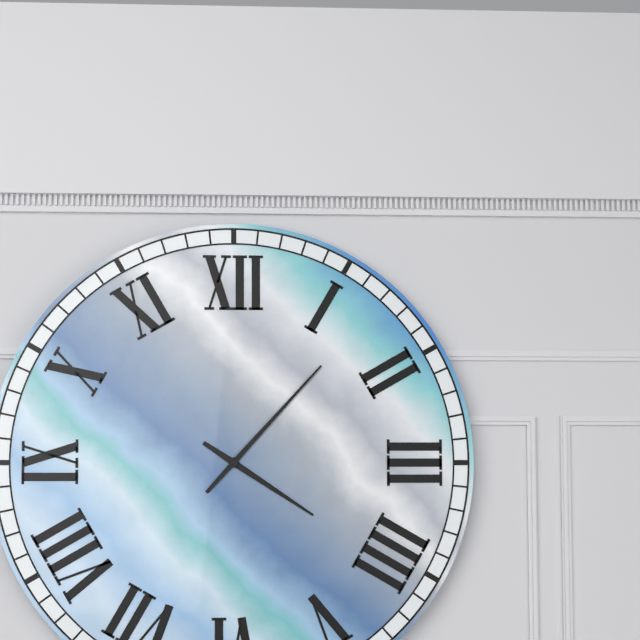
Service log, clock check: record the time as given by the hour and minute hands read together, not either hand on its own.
4:07
